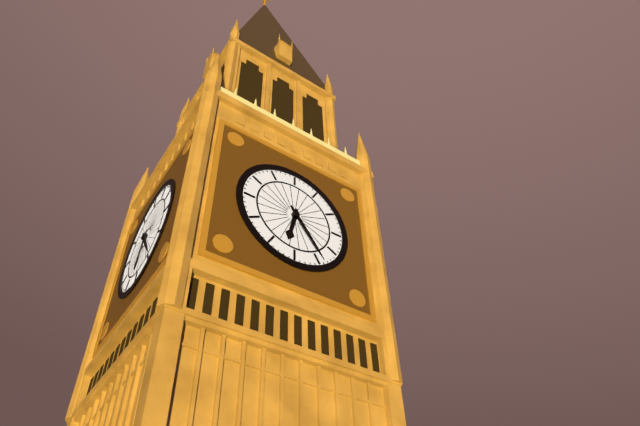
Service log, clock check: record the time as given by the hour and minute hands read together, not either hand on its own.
6:24
